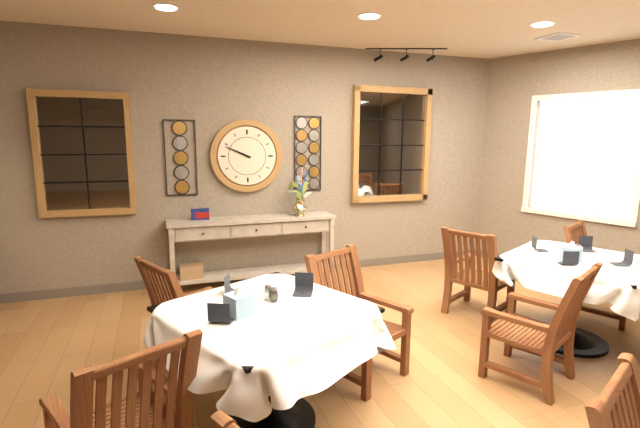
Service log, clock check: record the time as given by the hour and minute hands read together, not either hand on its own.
9:49
